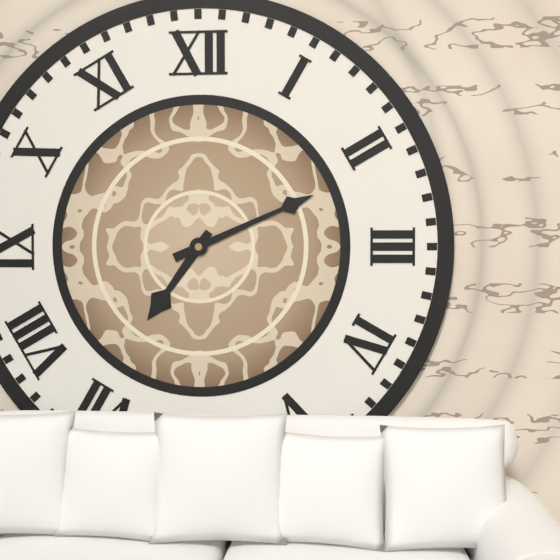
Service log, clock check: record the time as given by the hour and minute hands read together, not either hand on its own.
7:11
